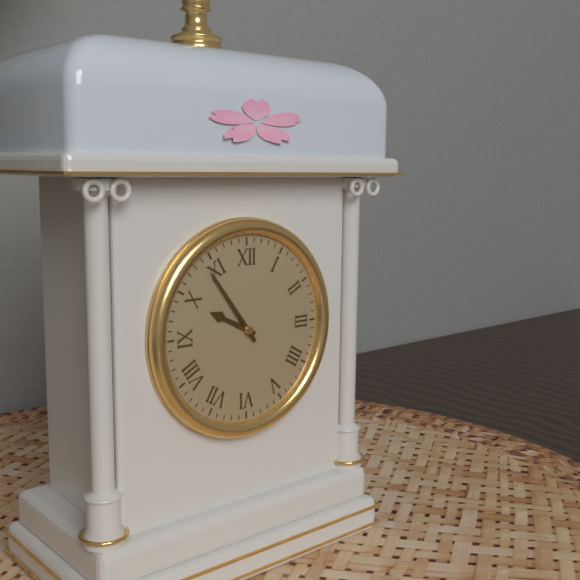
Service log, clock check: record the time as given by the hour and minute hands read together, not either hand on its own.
9:54
